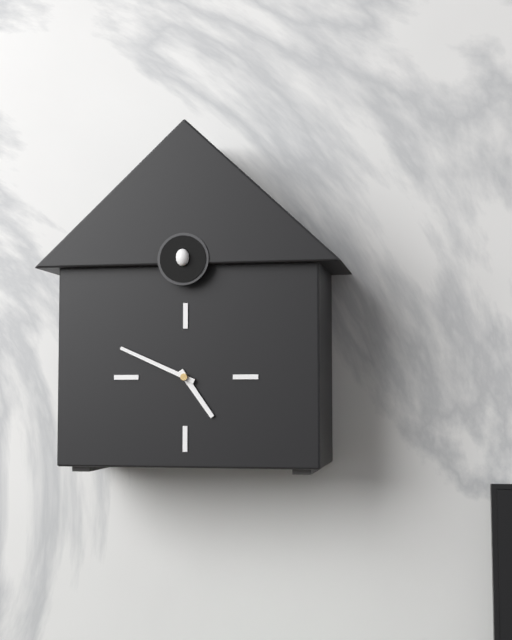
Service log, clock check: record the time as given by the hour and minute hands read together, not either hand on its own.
4:49
